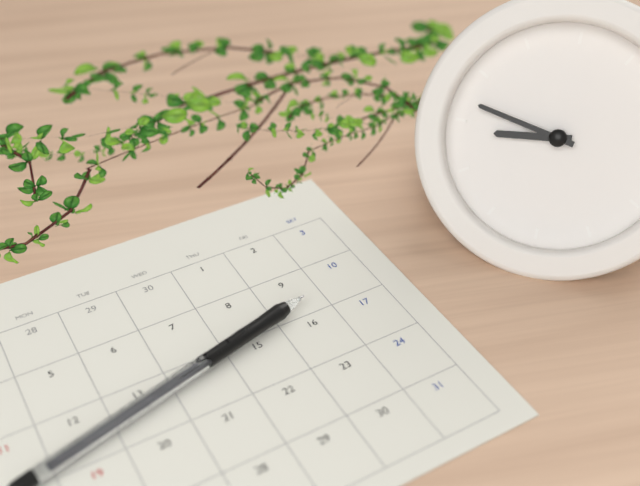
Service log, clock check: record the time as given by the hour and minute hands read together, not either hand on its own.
8:47
